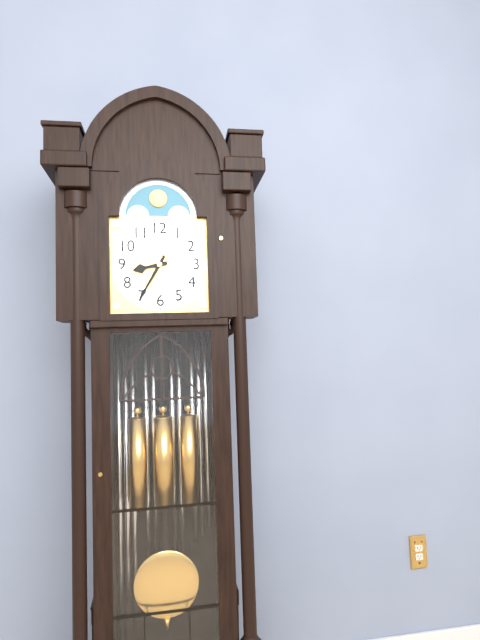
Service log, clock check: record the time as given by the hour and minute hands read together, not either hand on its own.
8:35
